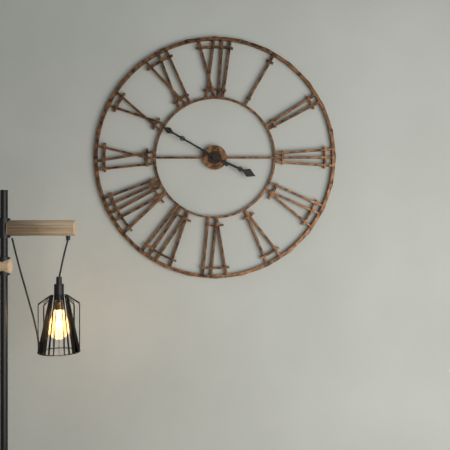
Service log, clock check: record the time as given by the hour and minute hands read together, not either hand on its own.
3:50
